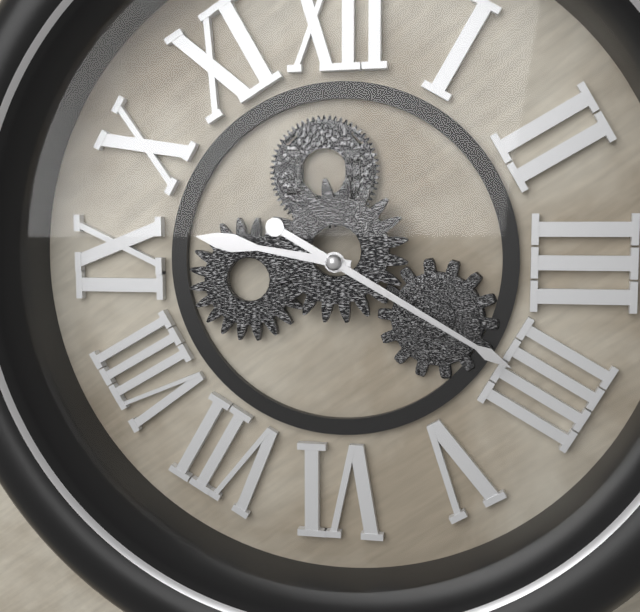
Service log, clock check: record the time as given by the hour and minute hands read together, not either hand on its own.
9:20
